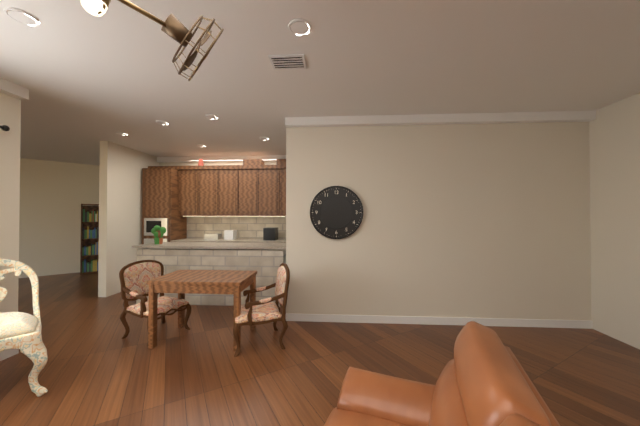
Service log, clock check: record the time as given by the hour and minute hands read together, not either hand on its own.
12:12
